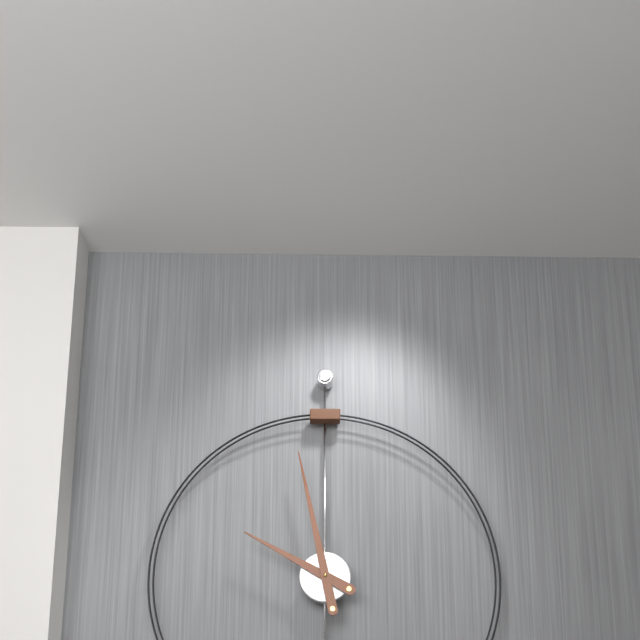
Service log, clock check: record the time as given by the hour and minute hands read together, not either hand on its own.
9:58
